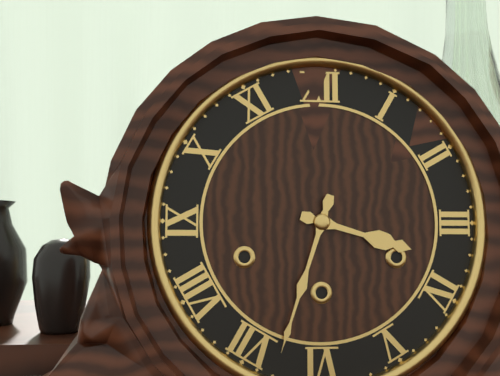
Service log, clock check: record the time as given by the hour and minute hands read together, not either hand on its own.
3:33
